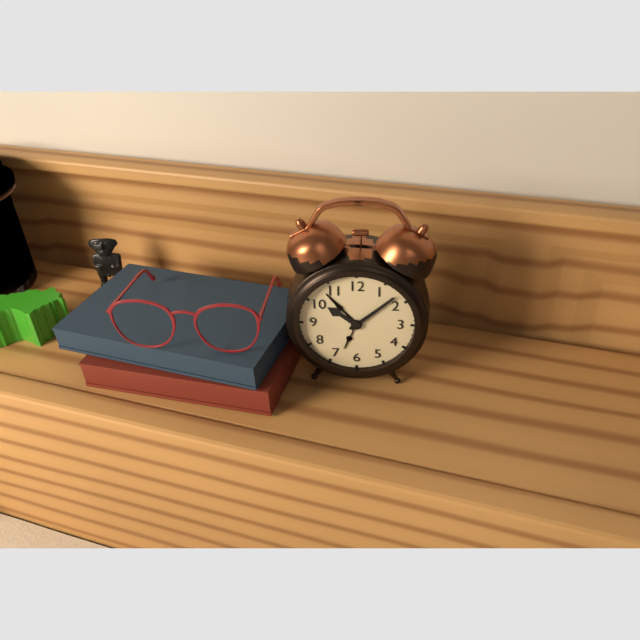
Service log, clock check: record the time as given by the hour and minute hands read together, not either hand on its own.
10:08
